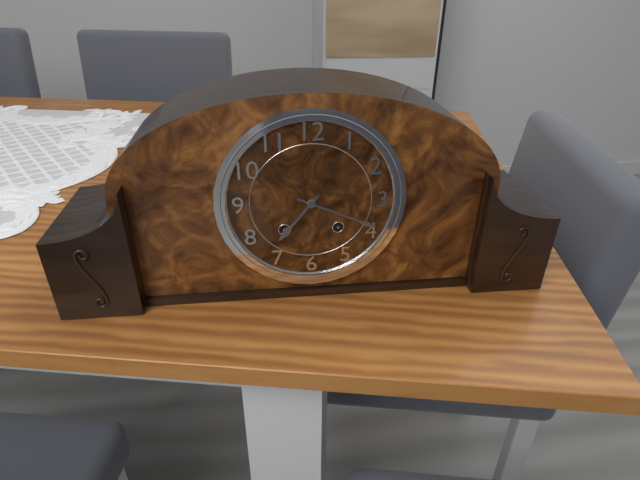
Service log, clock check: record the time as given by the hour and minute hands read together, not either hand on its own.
7:19
